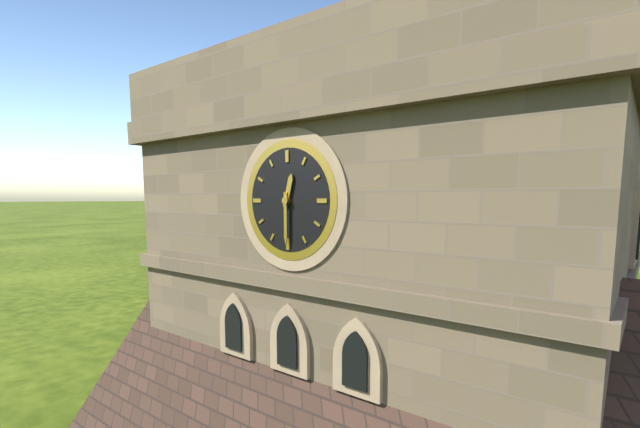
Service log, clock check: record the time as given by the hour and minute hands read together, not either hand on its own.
12:30
